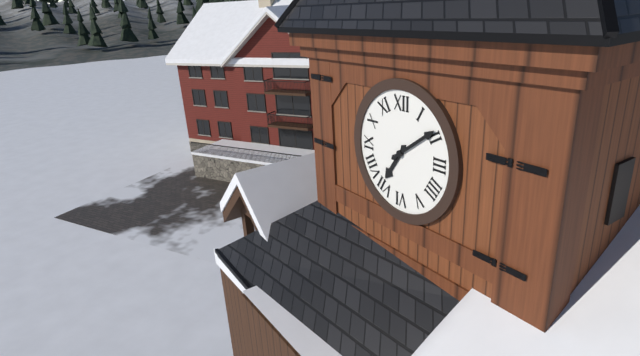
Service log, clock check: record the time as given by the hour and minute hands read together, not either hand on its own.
7:09
